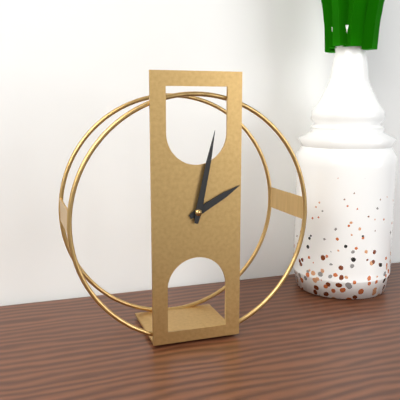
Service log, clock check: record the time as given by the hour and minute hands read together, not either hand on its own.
2:02
